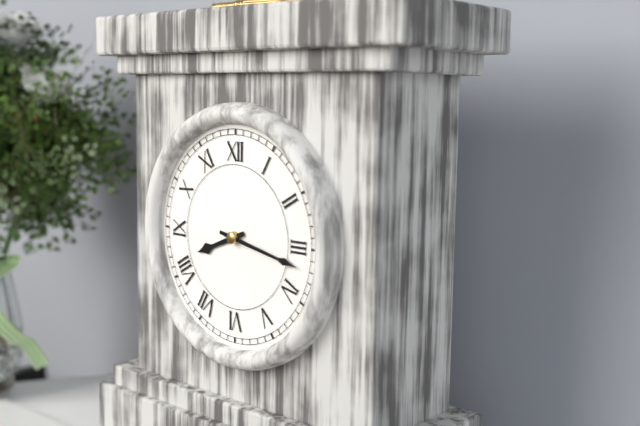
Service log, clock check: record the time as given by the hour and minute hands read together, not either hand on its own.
8:17
